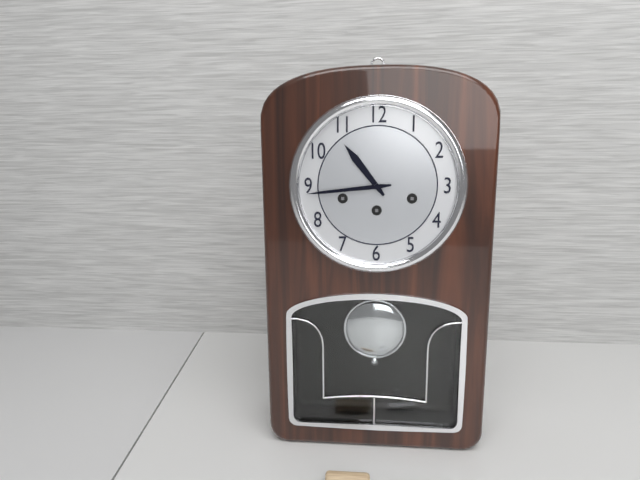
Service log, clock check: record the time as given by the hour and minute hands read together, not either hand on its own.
10:44
